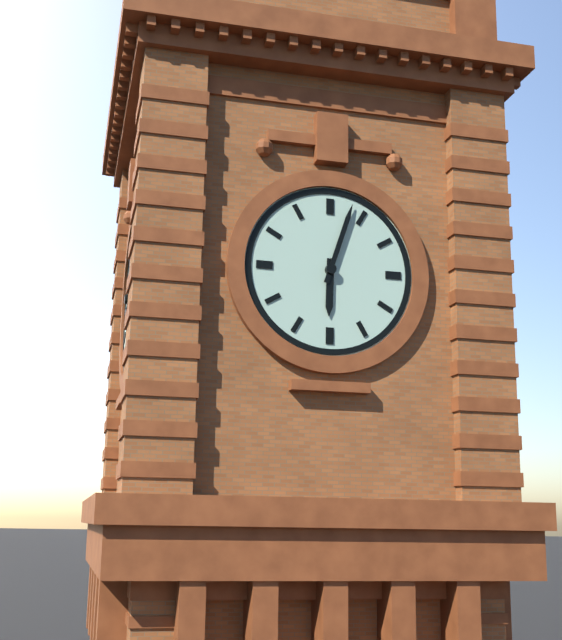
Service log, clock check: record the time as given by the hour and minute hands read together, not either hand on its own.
6:03
